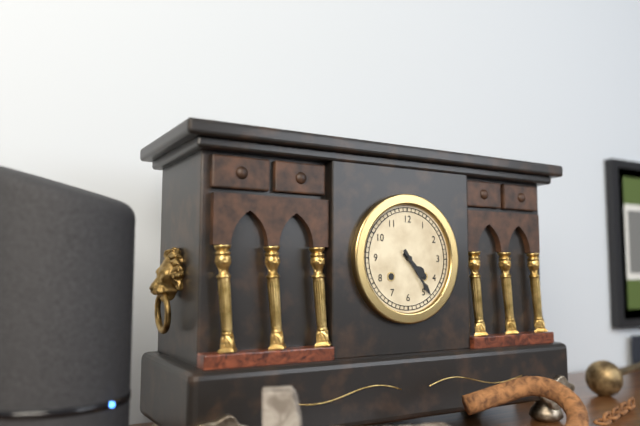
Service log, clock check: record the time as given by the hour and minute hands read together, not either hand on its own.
4:24
